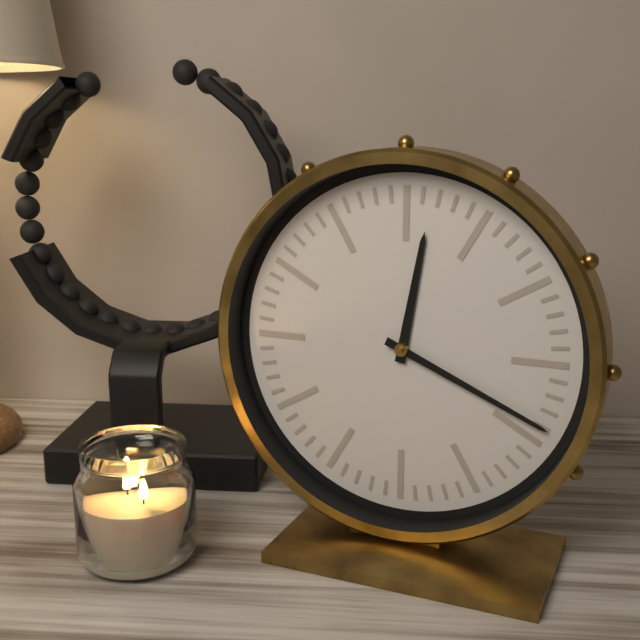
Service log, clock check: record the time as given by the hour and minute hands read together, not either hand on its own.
12:19
